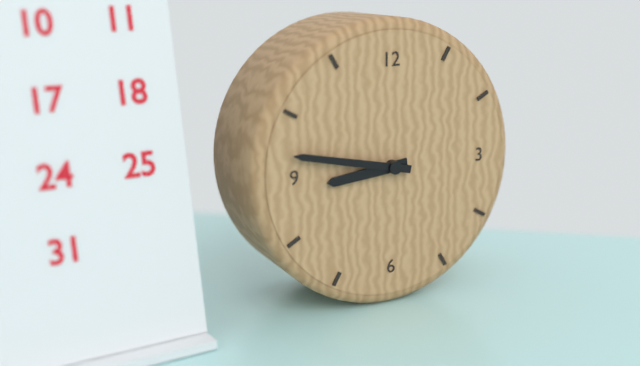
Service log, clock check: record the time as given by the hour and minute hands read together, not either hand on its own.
8:47
